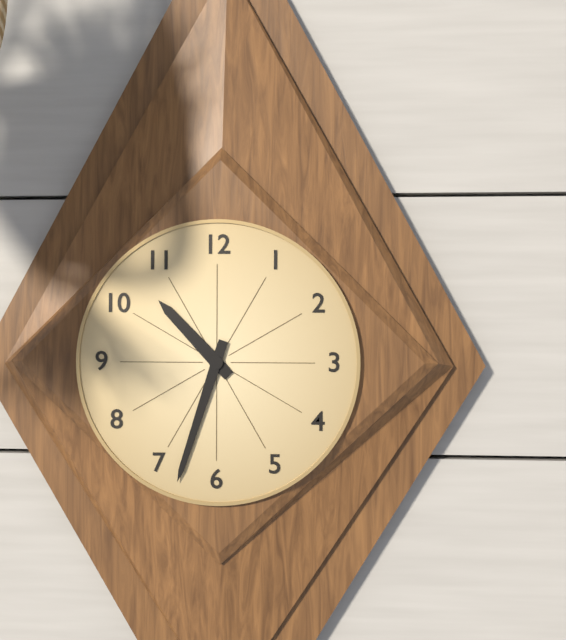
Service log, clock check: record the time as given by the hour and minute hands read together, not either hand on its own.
10:33
